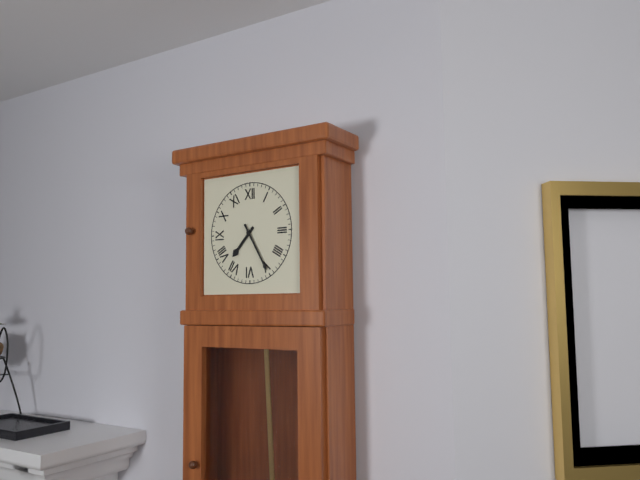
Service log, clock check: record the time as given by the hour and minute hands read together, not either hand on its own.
7:25
